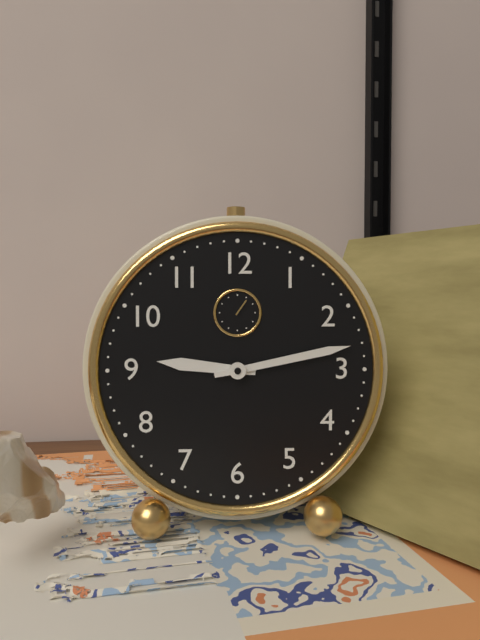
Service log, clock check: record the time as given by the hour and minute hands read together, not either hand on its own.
9:13
